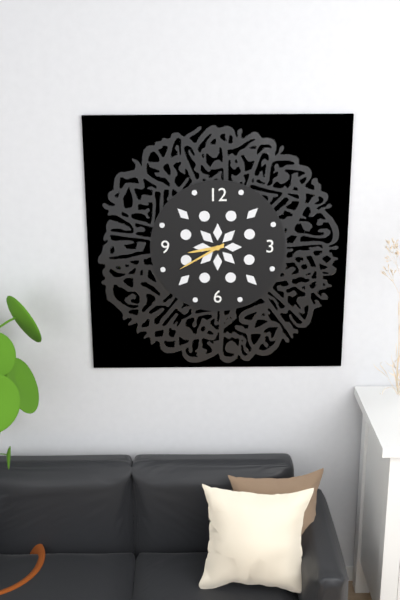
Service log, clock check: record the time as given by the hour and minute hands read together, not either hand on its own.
8:40
